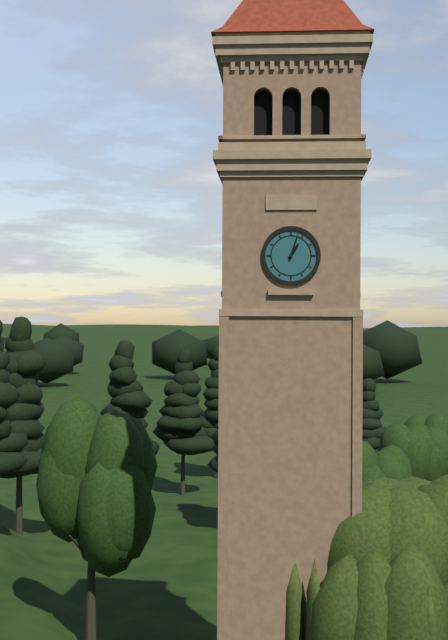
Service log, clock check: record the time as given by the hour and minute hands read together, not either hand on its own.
1:03
